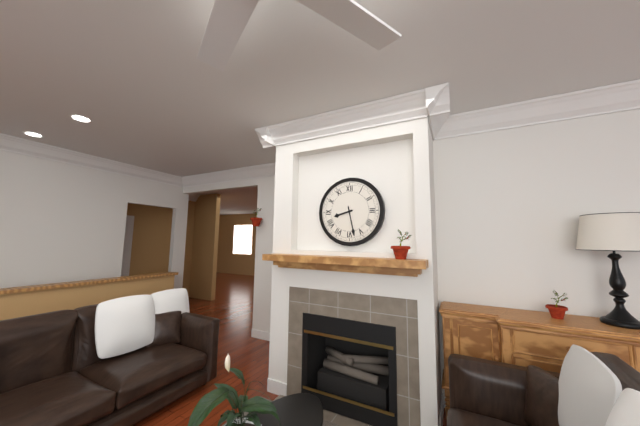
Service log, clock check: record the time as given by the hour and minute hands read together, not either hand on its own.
8:28
